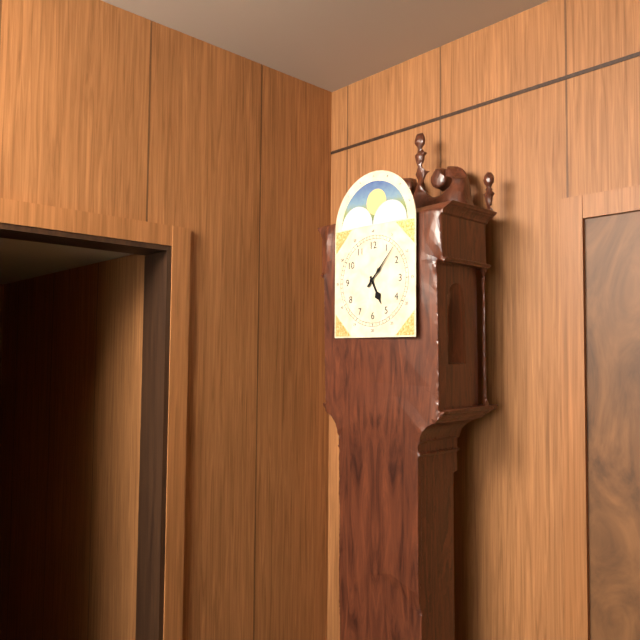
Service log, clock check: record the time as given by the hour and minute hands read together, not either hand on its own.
5:07
